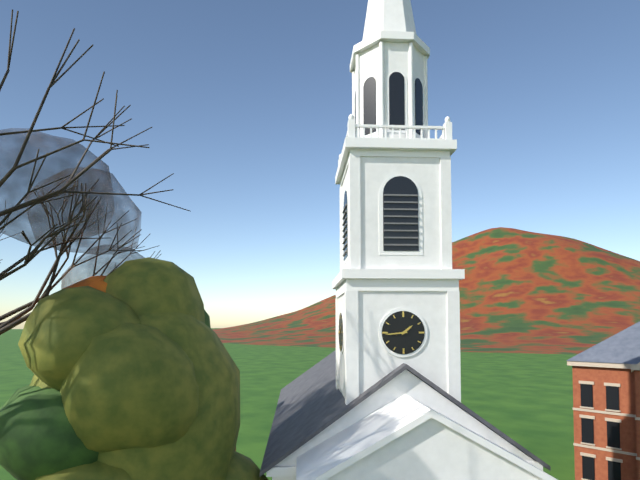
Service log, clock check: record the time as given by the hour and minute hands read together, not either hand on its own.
1:44
